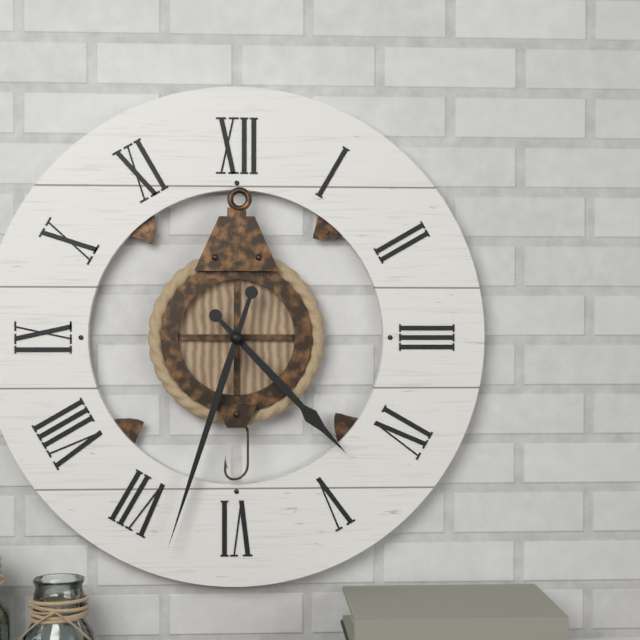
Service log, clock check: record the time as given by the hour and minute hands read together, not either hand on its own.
4:33
